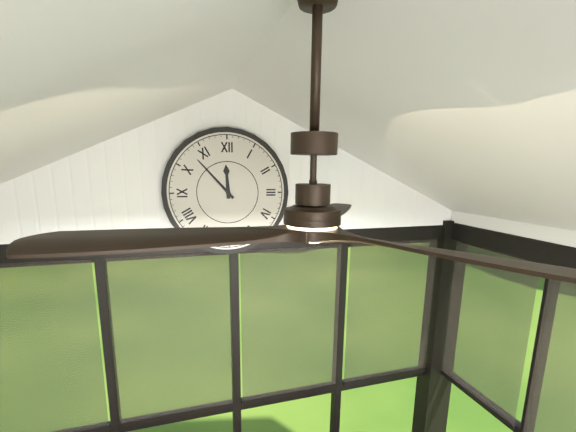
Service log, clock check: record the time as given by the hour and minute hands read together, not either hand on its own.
11:53
